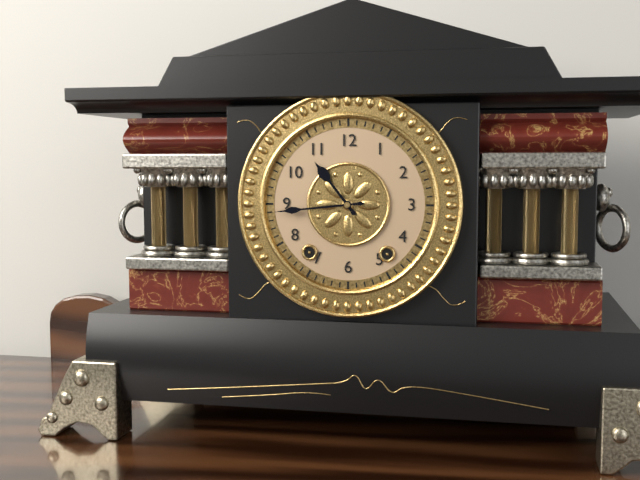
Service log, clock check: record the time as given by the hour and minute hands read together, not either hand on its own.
10:44
